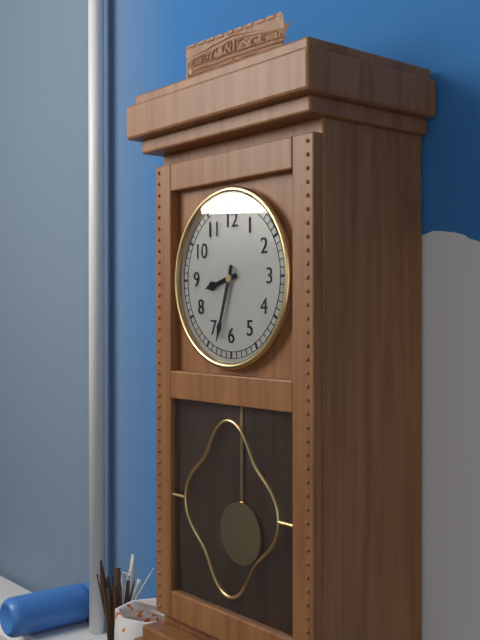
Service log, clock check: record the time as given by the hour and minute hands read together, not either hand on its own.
8:33
